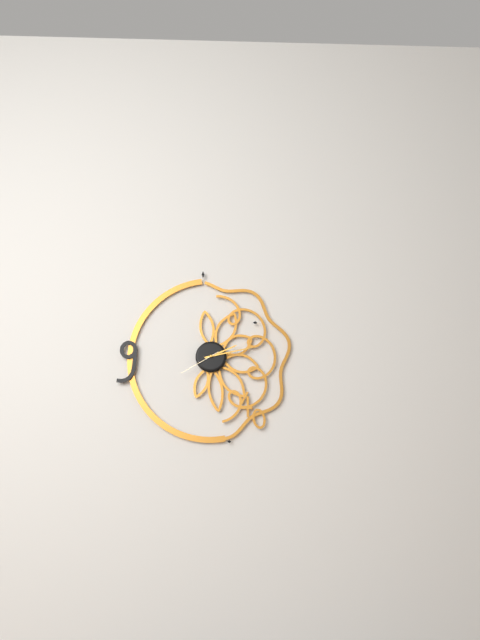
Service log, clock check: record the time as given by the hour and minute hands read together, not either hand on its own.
2:13
